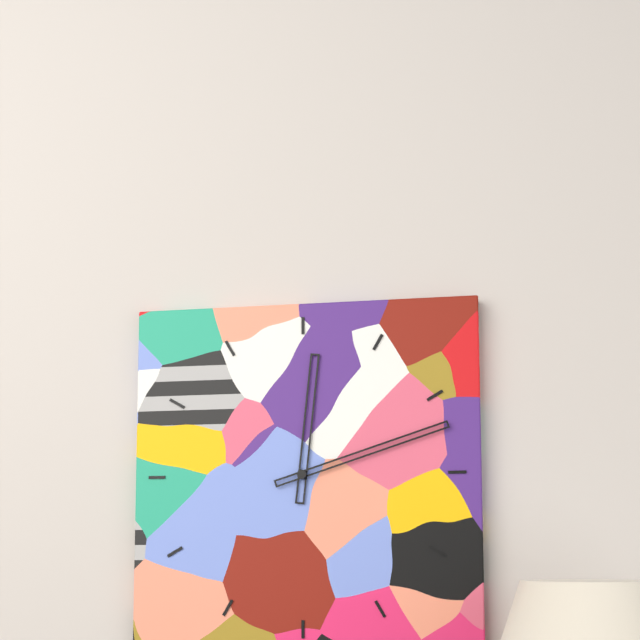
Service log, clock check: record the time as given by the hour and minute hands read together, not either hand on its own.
12:12
